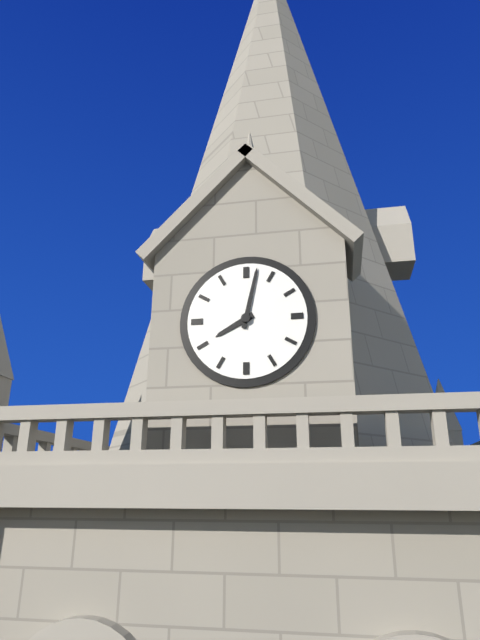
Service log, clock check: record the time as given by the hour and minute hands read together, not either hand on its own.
8:02
